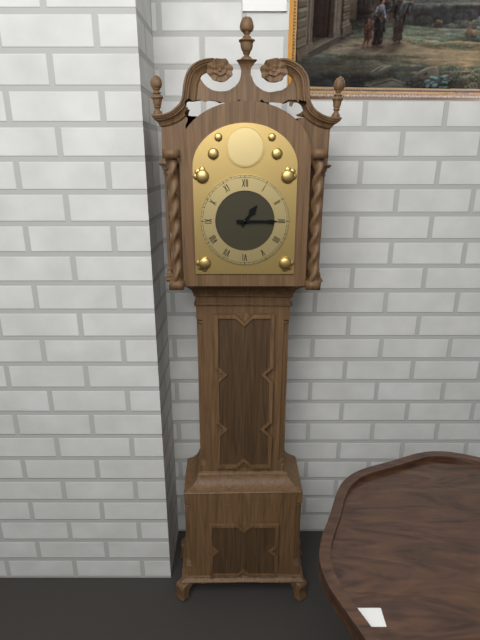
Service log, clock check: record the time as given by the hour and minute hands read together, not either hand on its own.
1:15
